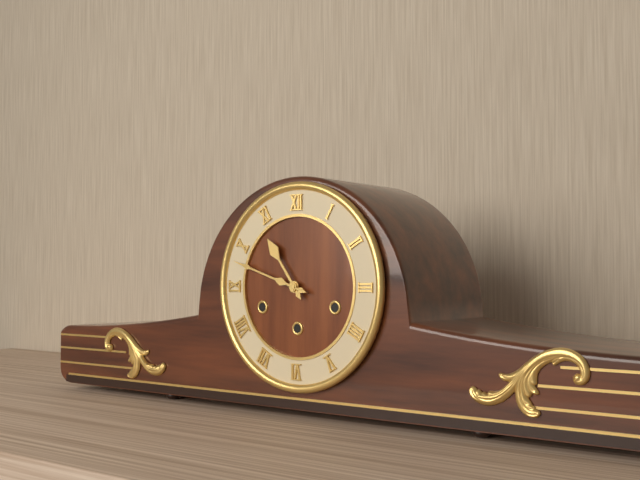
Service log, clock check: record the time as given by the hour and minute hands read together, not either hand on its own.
10:48
